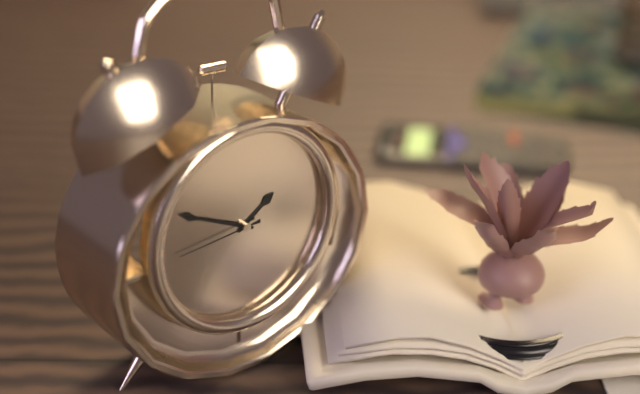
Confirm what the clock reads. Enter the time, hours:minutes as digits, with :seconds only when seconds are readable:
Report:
1:49:44
